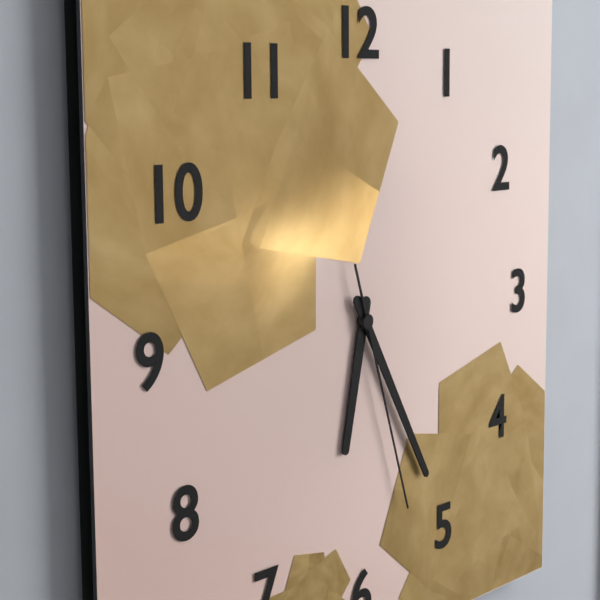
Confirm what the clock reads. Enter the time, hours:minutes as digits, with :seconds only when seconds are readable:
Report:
6:25:27
